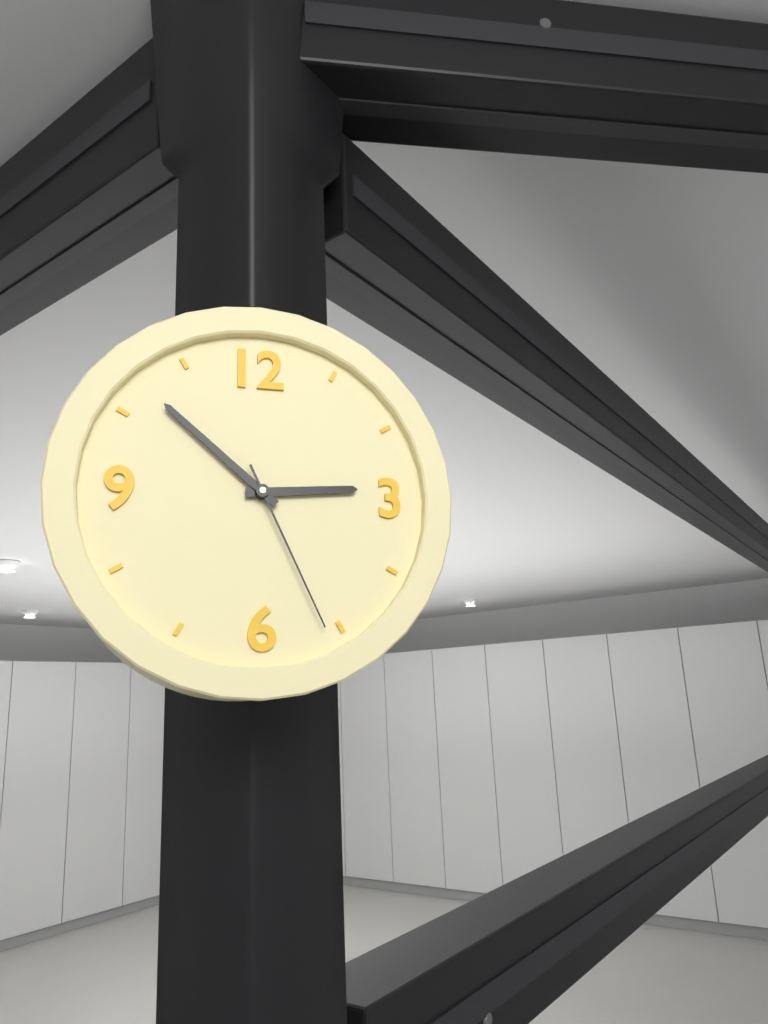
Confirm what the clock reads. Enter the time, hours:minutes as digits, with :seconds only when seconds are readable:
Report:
2:52:26
